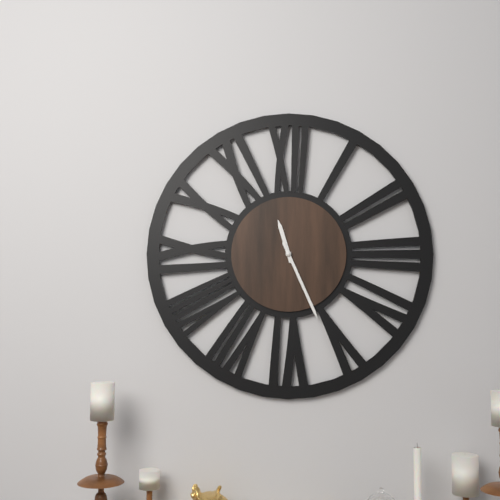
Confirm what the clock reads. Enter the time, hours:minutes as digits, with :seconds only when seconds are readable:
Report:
11:26
